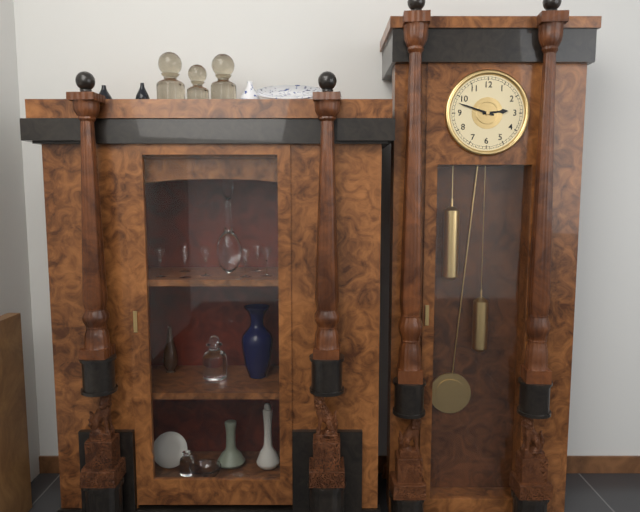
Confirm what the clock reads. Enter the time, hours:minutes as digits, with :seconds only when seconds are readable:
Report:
2:48
